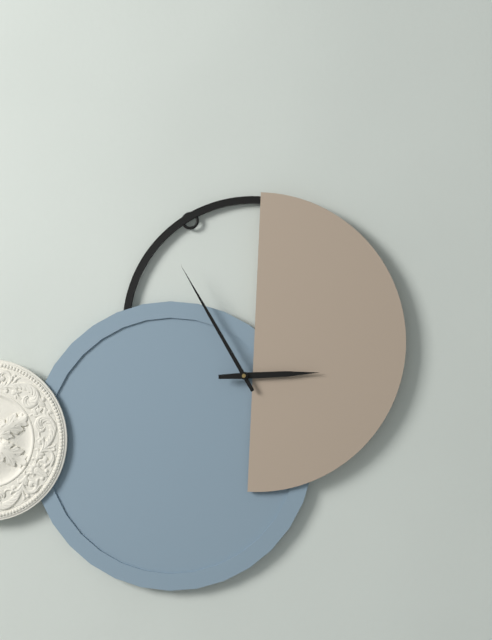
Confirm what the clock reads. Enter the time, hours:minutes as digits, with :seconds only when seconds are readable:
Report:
2:55
